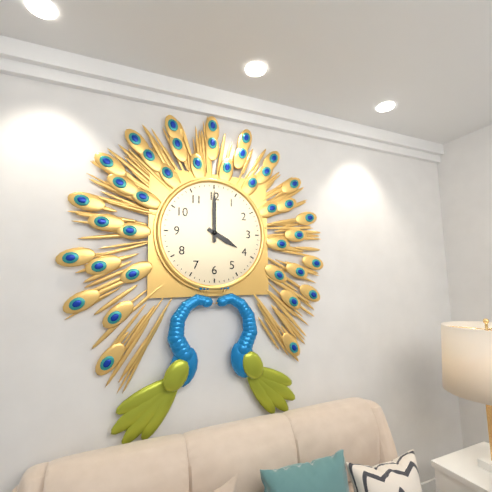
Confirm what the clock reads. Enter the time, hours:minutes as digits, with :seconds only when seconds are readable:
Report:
4:00
